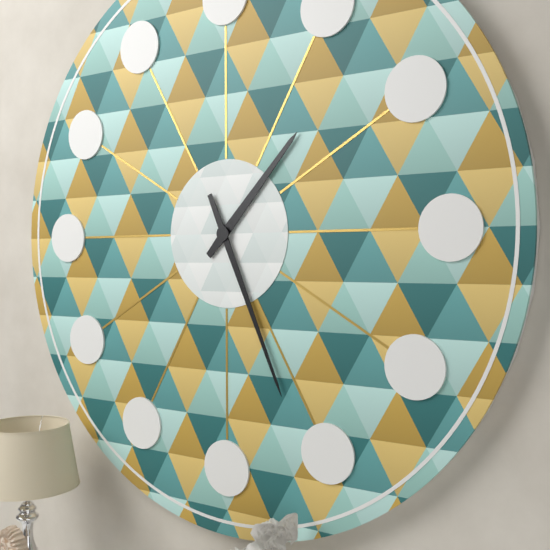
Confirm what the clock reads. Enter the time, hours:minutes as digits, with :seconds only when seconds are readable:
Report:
1:26
